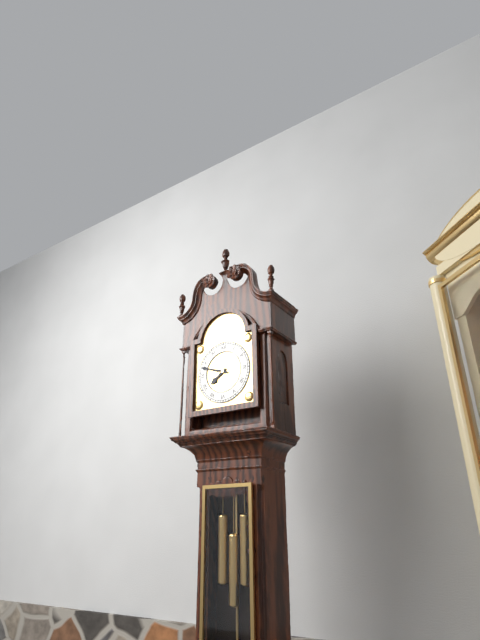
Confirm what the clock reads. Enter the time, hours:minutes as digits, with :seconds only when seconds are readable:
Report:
7:48
